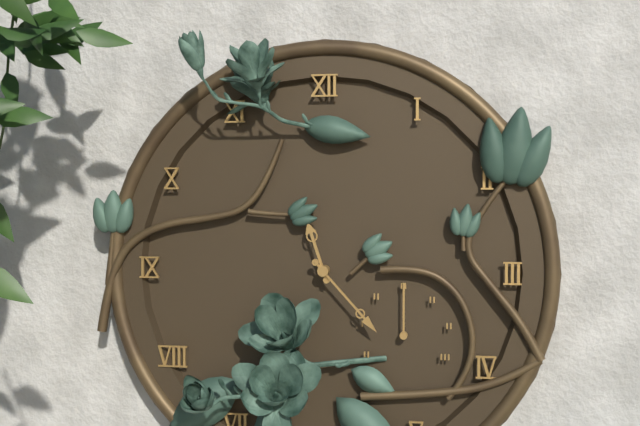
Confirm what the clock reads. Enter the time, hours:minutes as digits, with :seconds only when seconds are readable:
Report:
11:23
